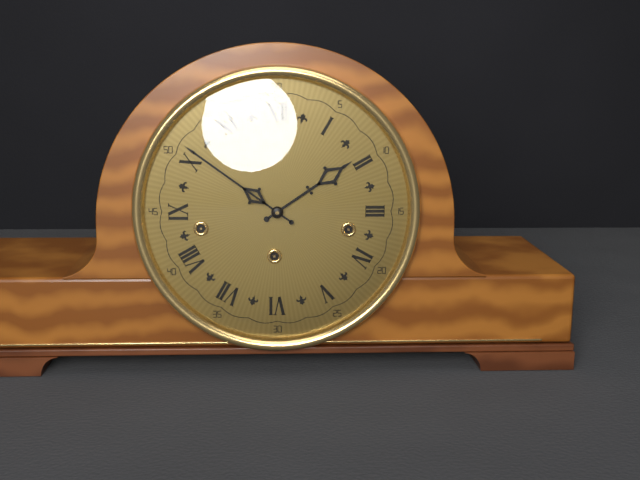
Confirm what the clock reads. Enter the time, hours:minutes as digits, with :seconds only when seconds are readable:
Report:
1:51
